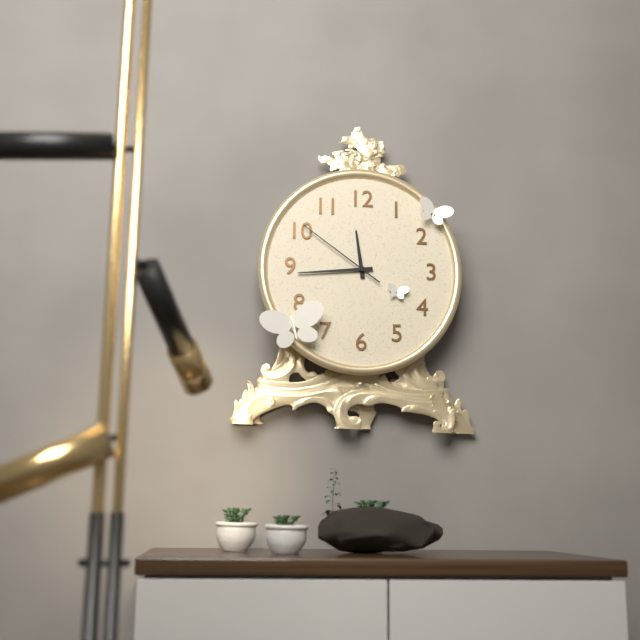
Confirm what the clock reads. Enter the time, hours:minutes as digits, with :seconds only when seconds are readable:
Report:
11:44:51
